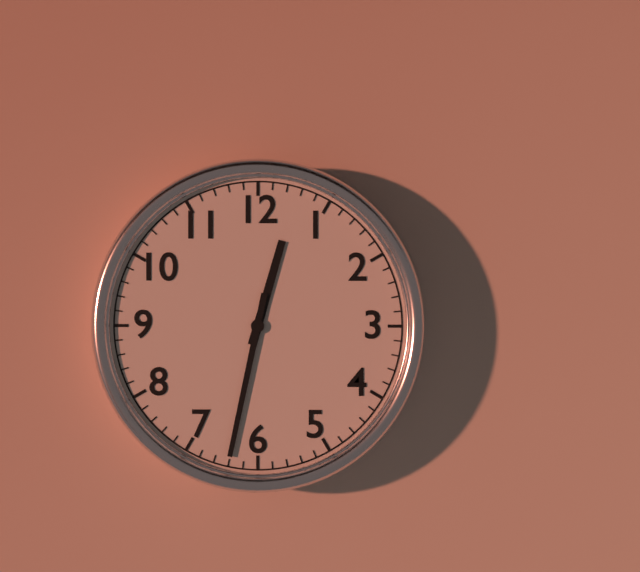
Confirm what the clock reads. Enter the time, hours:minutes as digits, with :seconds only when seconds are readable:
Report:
12:32
